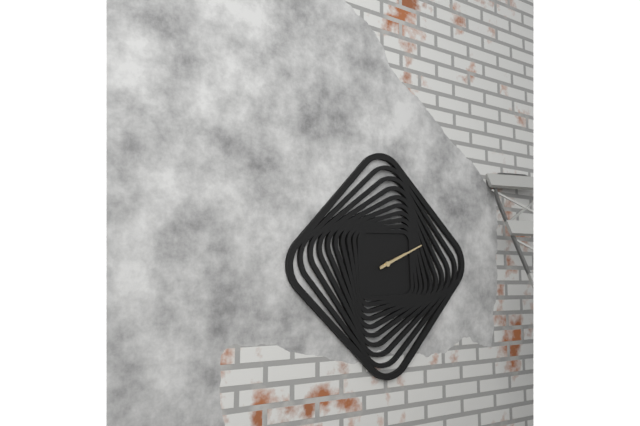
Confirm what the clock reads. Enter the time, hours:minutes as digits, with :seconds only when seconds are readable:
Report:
2:11
